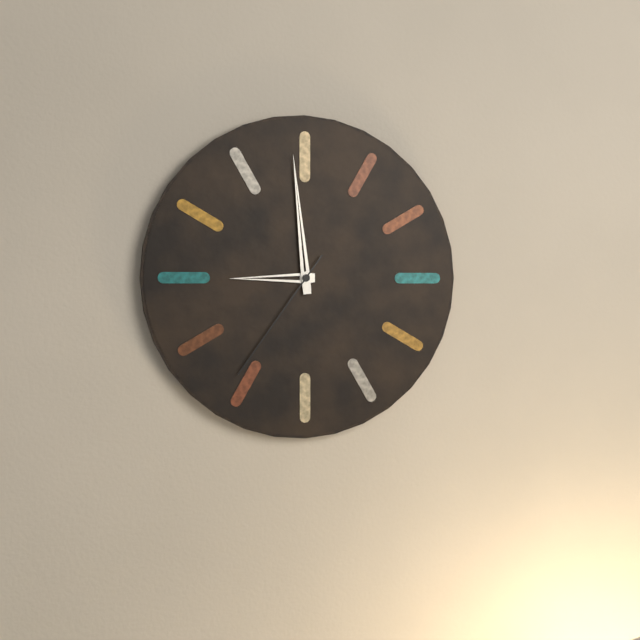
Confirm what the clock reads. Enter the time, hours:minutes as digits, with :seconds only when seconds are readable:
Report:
8:59:36
